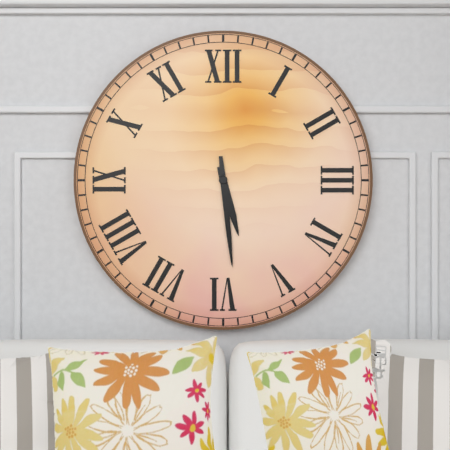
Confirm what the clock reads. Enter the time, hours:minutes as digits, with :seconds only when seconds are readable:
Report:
5:29
